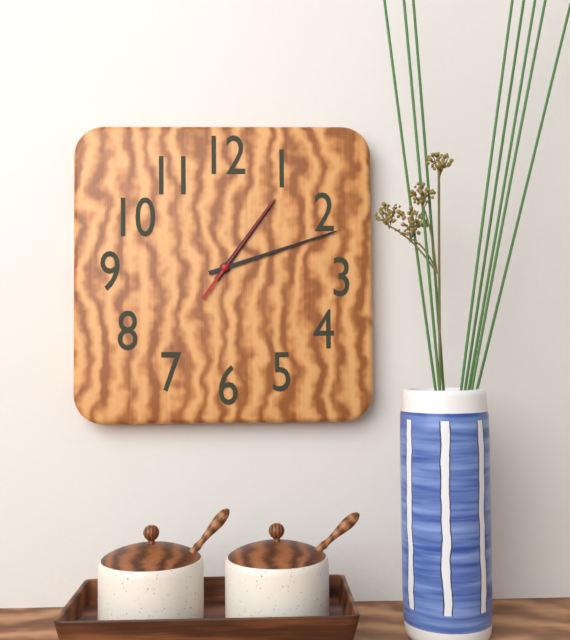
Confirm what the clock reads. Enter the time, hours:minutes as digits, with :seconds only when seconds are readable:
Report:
1:12:06
